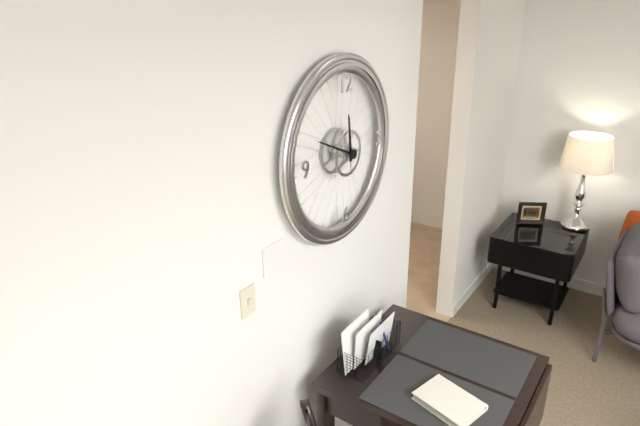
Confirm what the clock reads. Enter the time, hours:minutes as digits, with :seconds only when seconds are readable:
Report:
11:49
